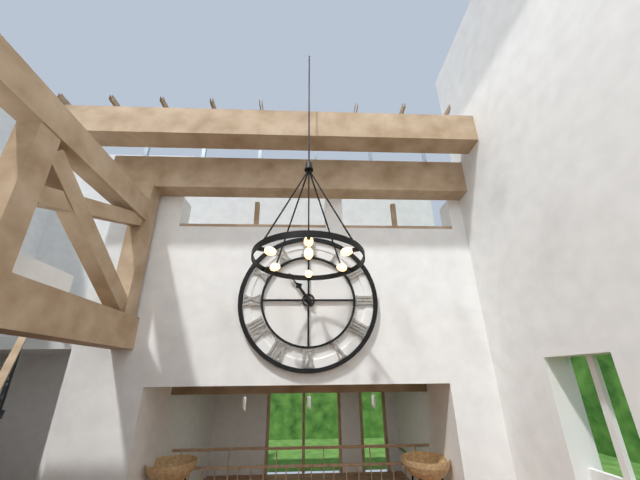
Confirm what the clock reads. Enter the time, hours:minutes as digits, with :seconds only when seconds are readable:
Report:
10:54
